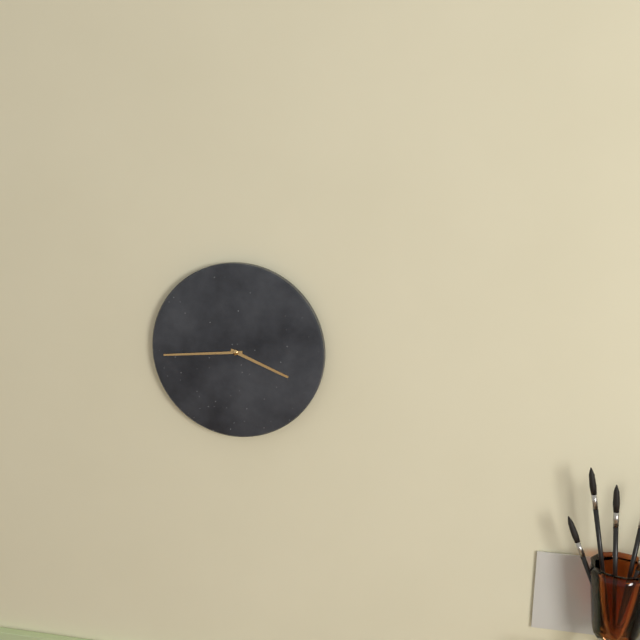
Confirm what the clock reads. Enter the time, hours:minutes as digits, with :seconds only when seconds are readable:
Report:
3:44
